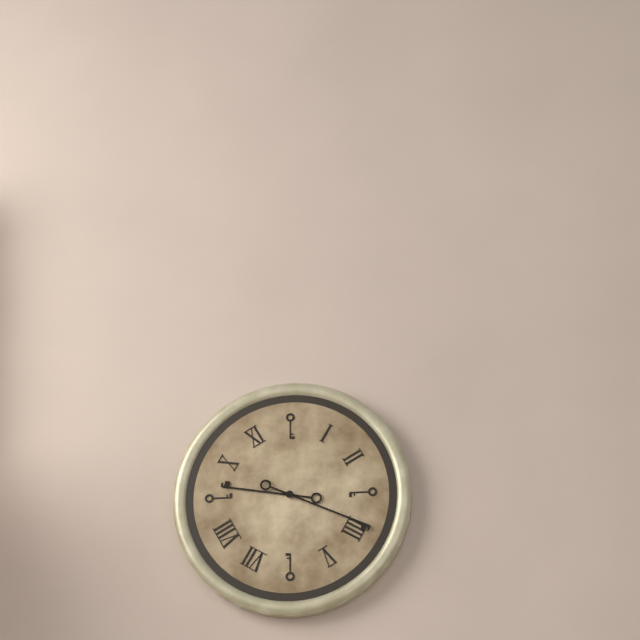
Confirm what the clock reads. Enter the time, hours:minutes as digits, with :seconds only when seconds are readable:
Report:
9:19
